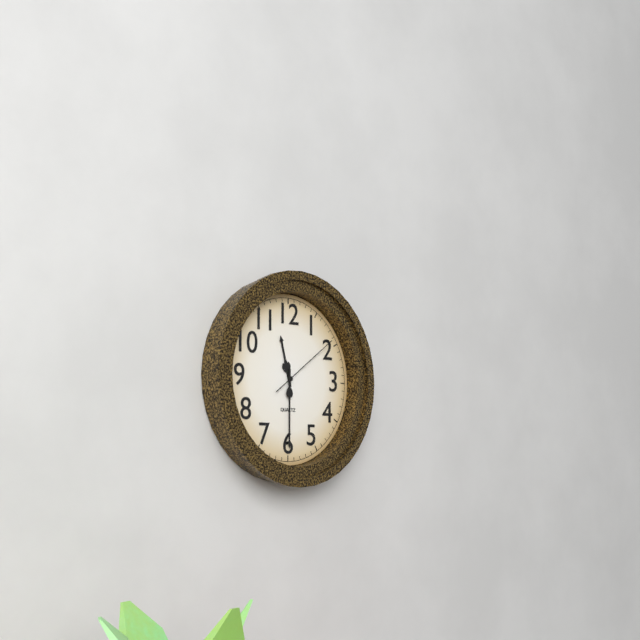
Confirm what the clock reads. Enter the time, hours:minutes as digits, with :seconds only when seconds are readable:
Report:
11:30:09
